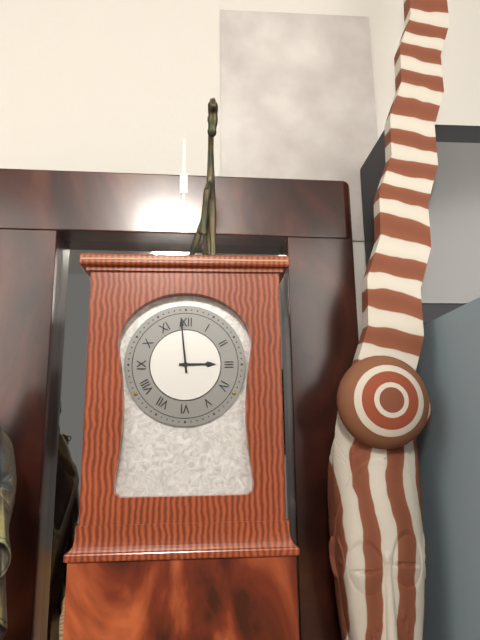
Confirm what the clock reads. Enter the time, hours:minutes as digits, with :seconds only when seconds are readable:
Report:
2:59
